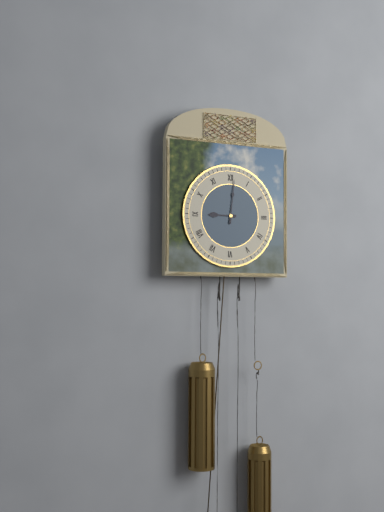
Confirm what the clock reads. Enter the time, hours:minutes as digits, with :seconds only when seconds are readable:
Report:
9:01
